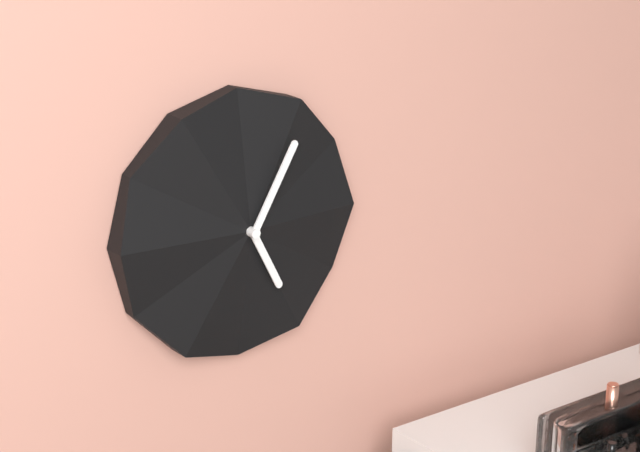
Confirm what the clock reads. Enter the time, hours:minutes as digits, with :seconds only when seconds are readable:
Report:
5:05
